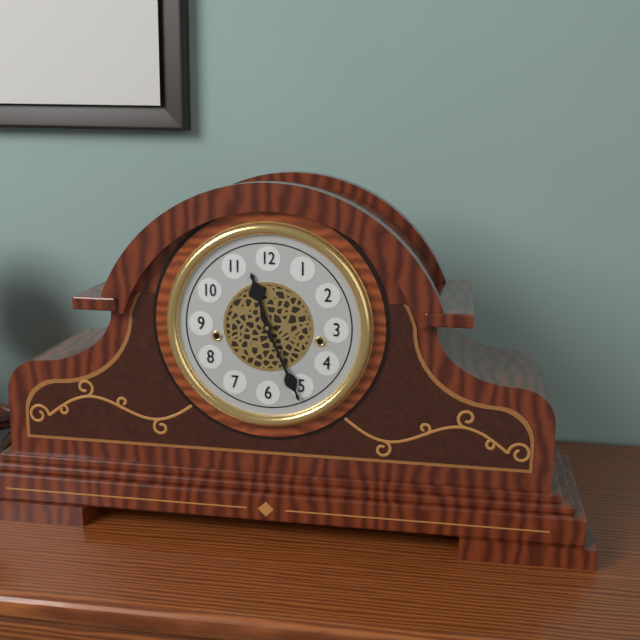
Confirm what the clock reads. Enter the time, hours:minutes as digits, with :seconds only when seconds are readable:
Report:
11:26
